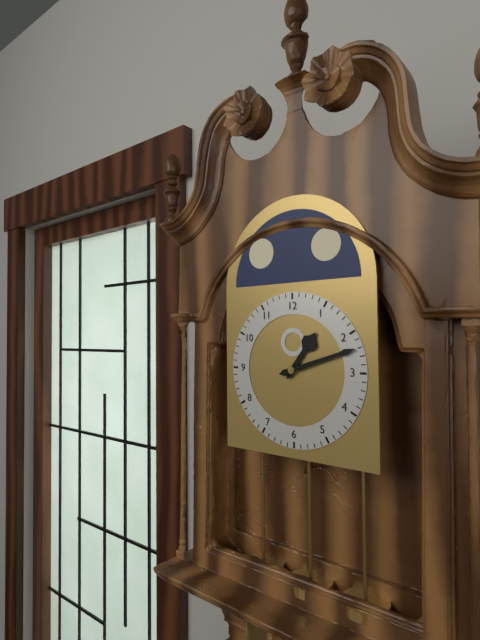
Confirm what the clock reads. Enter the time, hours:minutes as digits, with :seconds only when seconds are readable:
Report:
1:12
